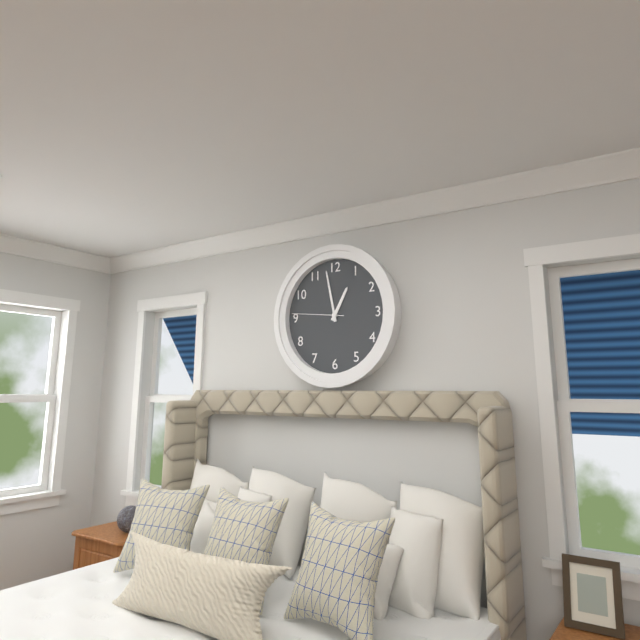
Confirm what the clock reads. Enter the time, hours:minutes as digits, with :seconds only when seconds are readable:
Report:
12:58:46
